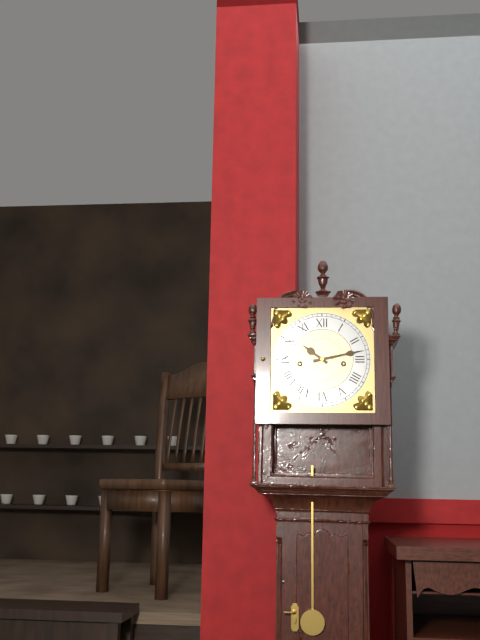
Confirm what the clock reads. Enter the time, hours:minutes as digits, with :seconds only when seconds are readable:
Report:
10:13
